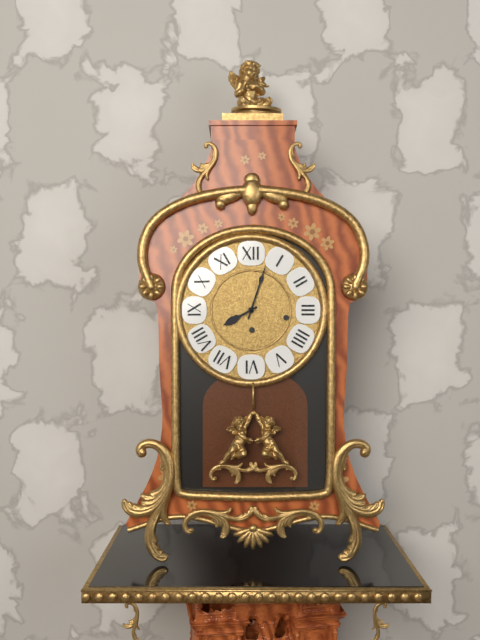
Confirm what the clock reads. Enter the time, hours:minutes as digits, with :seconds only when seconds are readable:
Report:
8:03
